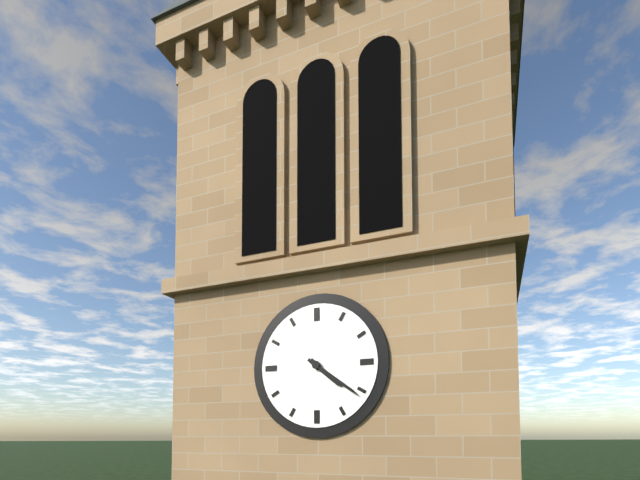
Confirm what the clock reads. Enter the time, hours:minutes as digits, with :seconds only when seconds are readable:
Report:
4:21
